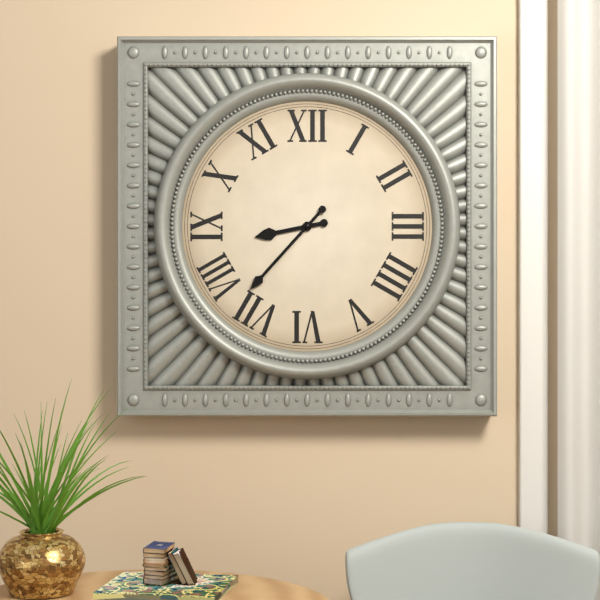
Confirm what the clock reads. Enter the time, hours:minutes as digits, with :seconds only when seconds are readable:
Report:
8:37
